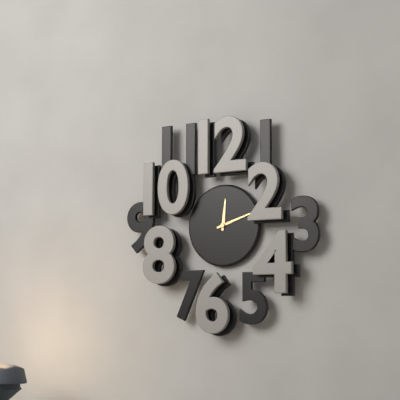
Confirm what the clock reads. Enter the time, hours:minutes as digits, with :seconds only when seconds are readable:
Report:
12:12
